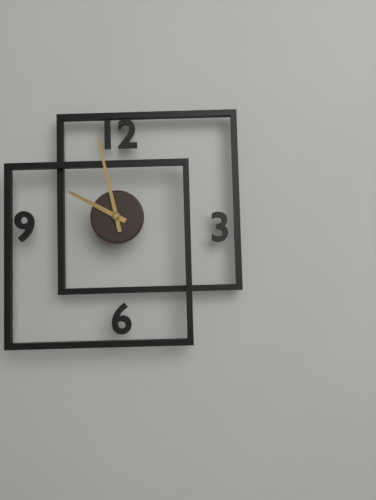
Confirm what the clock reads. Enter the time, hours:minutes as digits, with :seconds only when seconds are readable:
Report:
9:58
